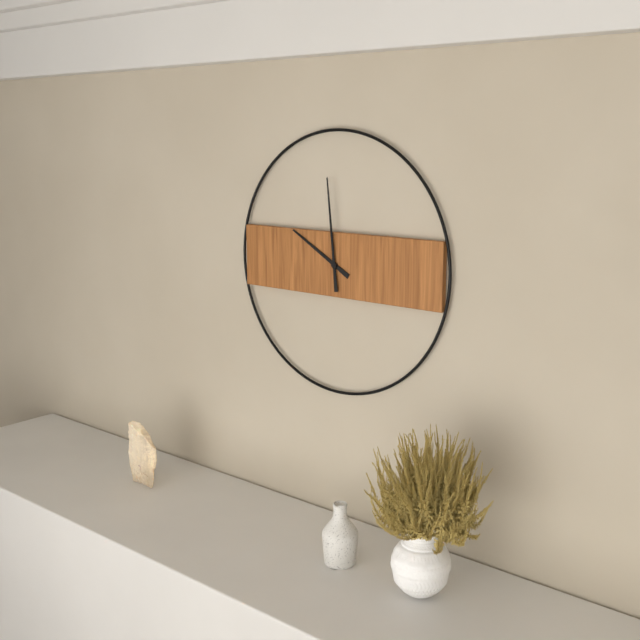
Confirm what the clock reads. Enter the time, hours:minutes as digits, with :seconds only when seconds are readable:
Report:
9:59
